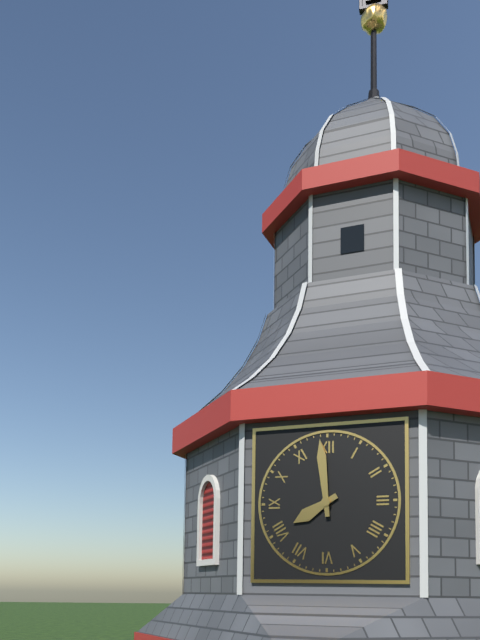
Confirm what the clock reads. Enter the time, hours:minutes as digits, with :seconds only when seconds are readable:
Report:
7:59
